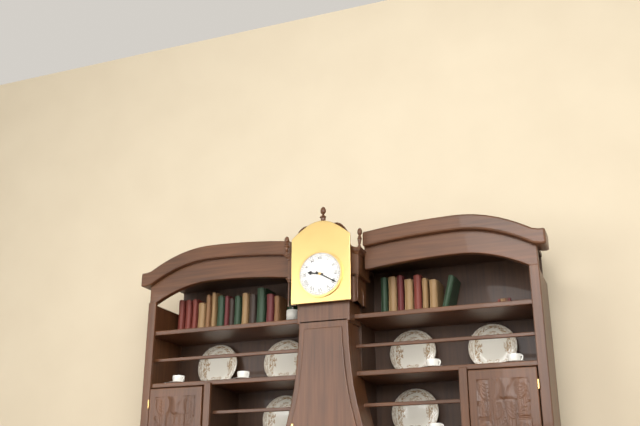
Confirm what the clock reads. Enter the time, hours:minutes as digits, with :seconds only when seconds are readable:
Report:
9:20
